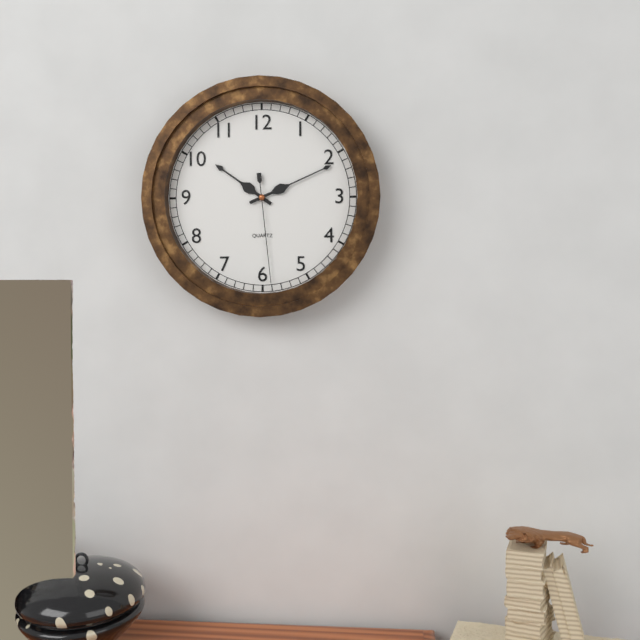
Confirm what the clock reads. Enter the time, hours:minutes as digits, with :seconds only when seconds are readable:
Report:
10:11:29
